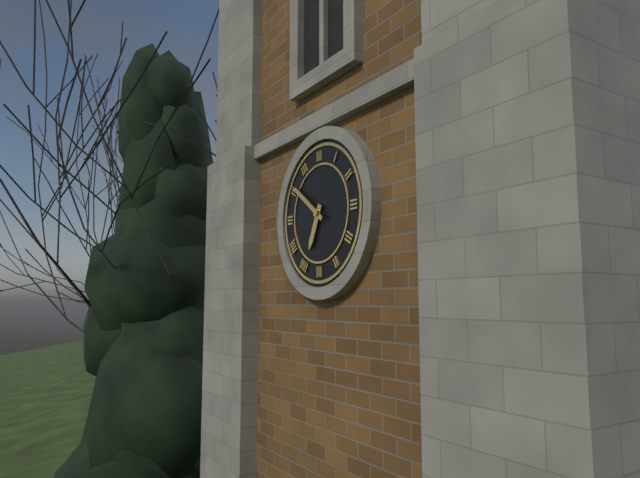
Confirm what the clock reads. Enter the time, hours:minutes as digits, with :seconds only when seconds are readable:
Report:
6:51
